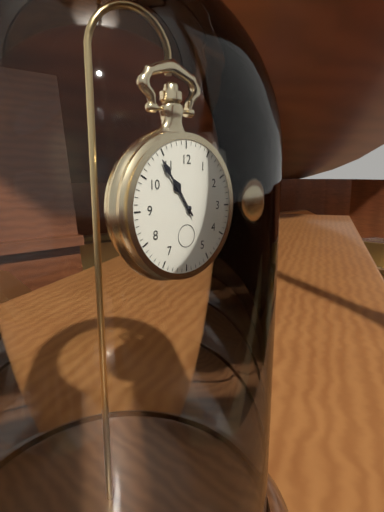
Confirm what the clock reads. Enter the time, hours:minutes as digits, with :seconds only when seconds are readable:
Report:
10:54
